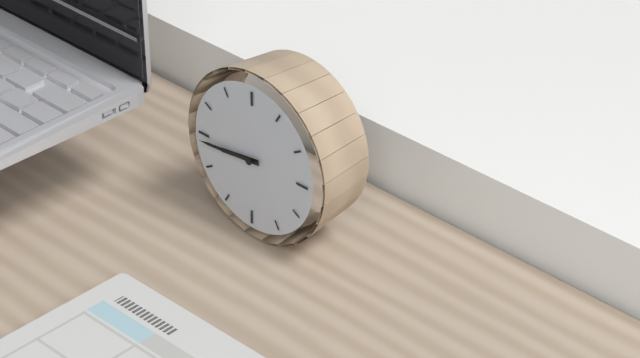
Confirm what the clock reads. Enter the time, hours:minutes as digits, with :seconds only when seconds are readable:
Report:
8:44
